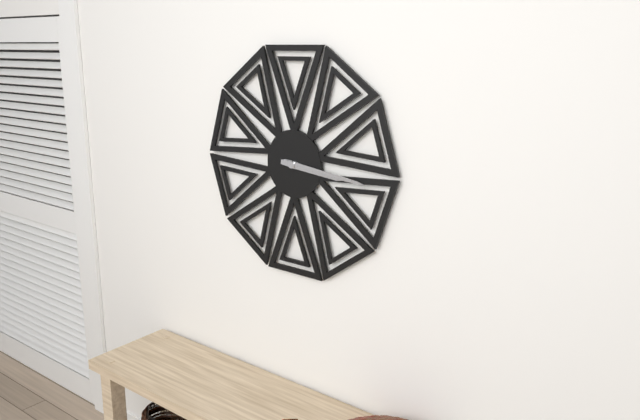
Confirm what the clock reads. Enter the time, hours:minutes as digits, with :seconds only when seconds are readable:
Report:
3:16
